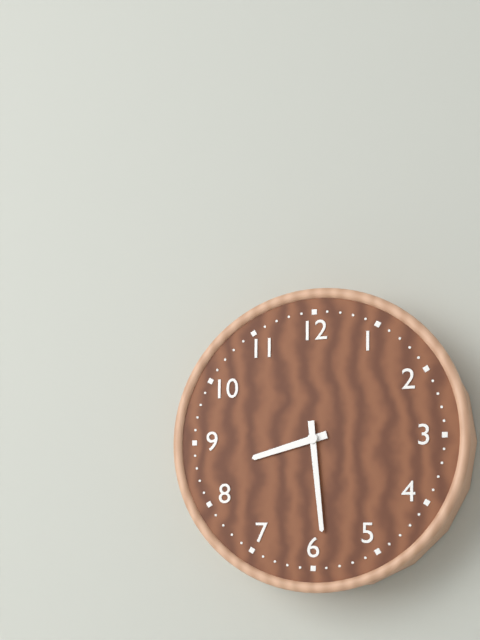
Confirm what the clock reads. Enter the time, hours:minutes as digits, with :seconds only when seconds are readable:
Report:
8:29
